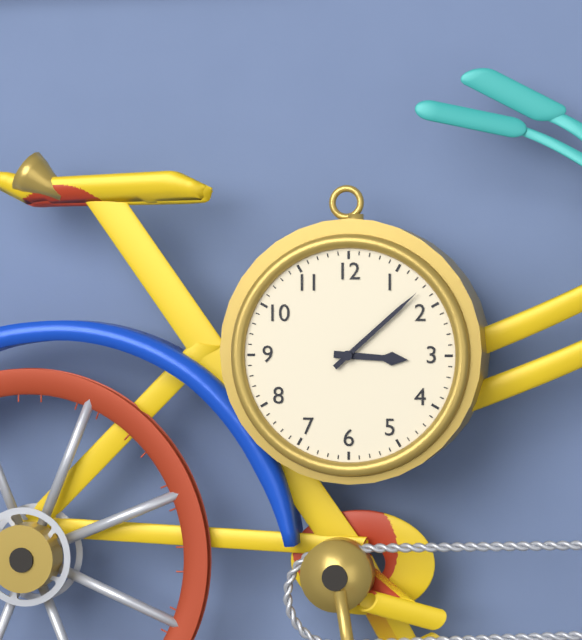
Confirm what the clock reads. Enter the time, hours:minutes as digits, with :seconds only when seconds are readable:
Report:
3:08
